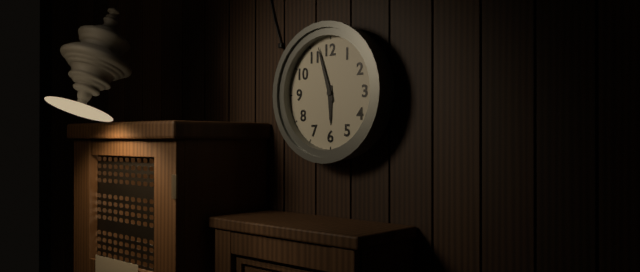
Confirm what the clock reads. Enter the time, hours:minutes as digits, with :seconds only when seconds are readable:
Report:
5:57
